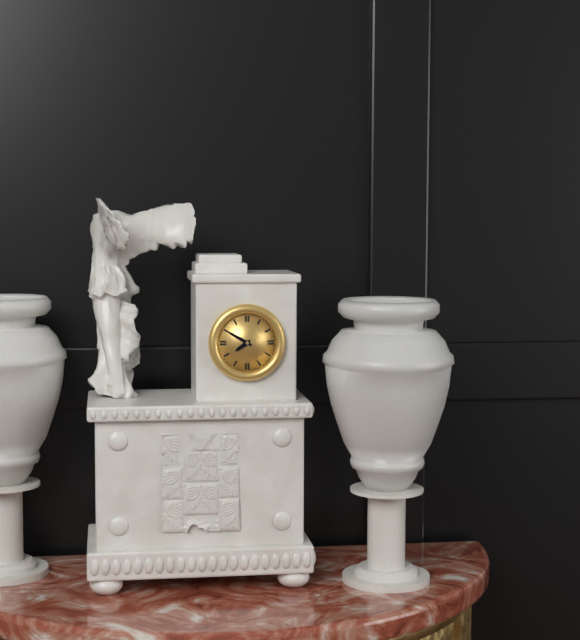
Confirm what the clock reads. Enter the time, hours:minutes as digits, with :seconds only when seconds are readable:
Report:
7:50
